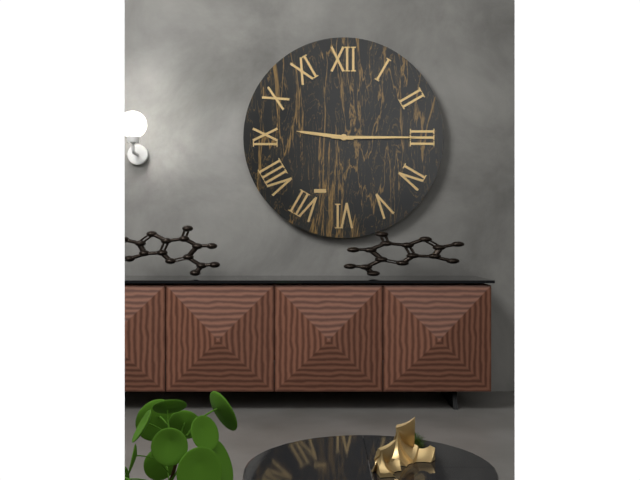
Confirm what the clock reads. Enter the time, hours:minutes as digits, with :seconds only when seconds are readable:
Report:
9:15
